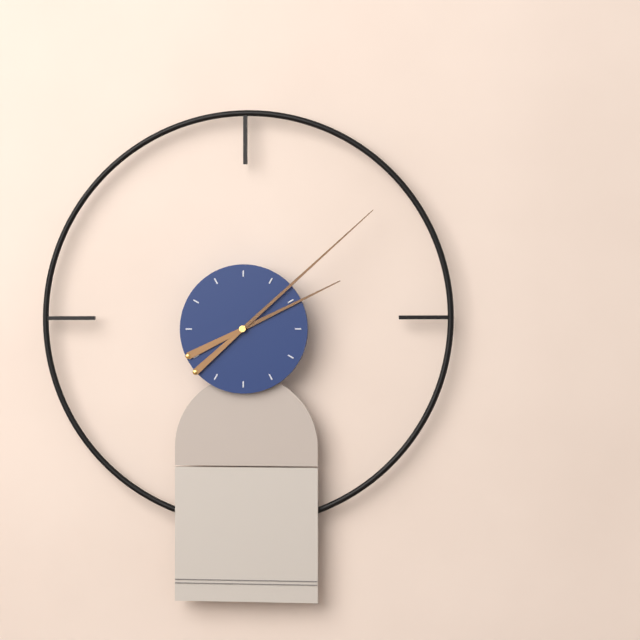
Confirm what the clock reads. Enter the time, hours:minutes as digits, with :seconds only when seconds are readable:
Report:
2:08
